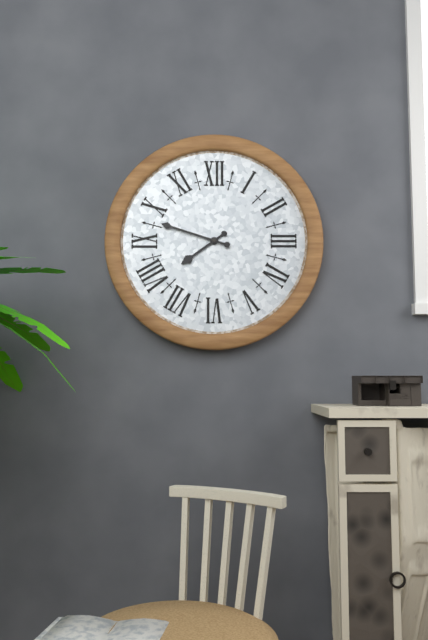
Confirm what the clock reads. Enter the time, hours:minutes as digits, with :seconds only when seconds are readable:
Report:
7:48
